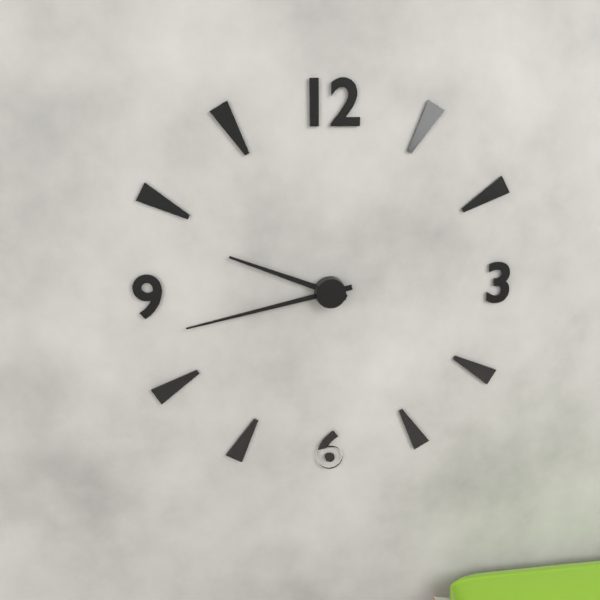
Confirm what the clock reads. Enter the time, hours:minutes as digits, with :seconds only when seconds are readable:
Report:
9:43
